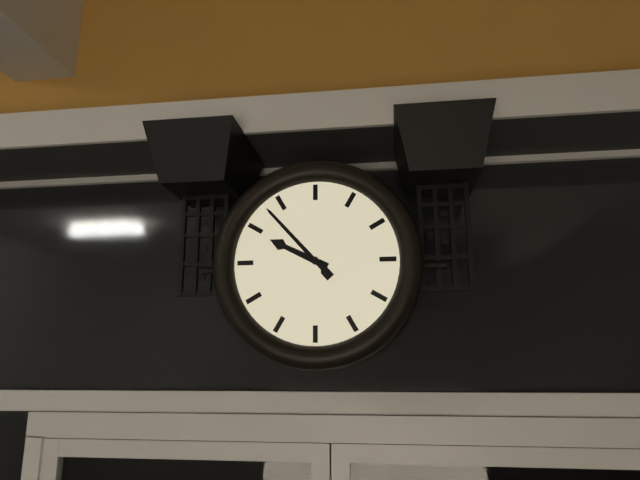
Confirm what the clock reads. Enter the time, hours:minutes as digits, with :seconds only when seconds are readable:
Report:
9:53
